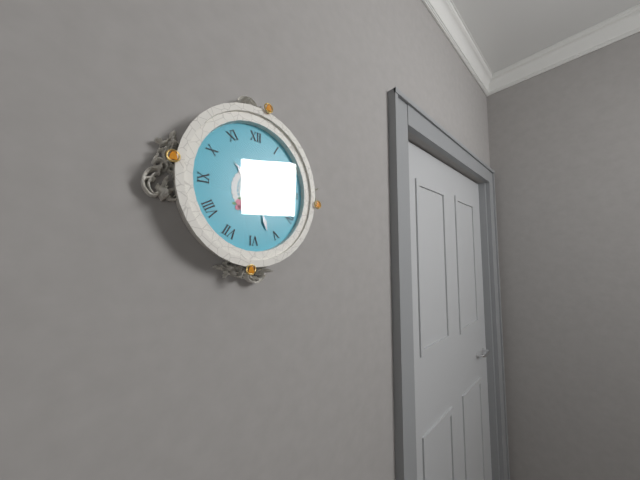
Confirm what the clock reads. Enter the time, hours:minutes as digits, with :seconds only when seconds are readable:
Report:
10:27:20
